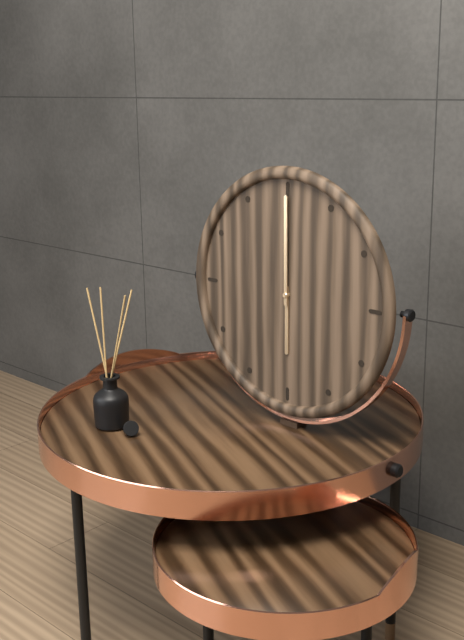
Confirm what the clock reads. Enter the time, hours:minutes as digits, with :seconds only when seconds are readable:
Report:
6:00
